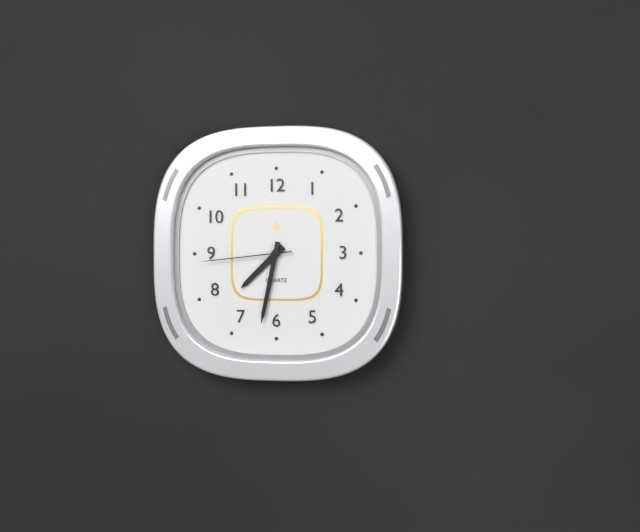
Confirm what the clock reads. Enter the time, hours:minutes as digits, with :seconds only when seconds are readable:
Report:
7:32:44
